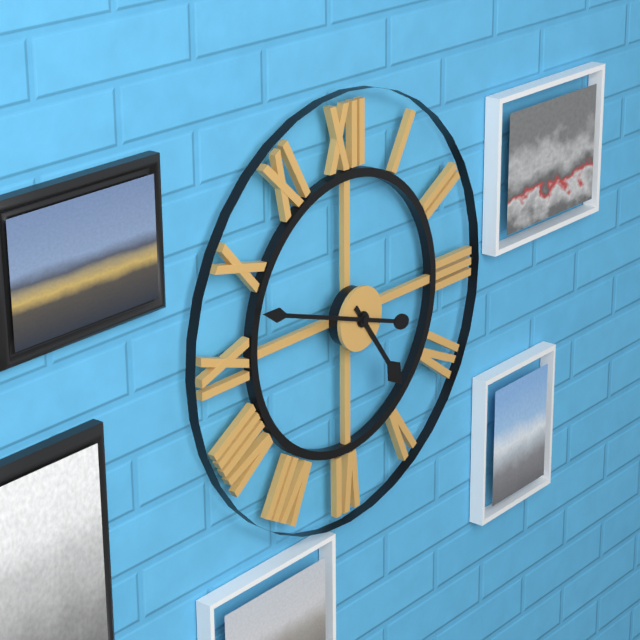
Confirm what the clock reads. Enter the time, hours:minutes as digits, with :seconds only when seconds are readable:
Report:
4:48
